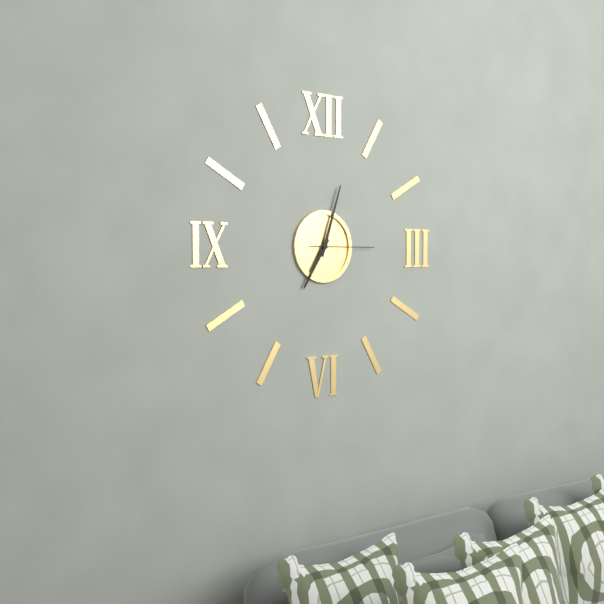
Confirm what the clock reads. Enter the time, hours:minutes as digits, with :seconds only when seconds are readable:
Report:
7:03:15
